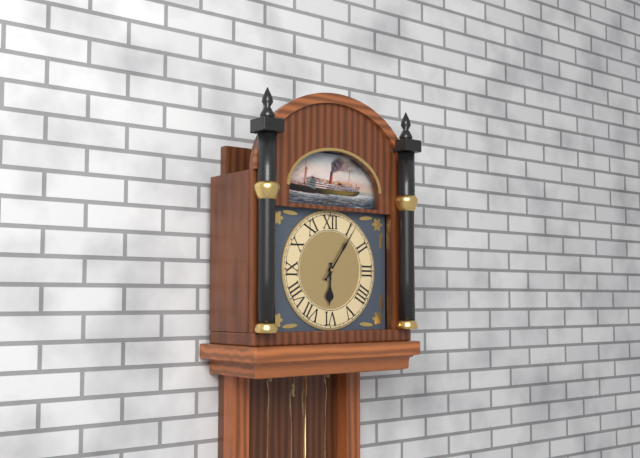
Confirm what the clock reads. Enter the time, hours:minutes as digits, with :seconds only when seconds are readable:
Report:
6:06
